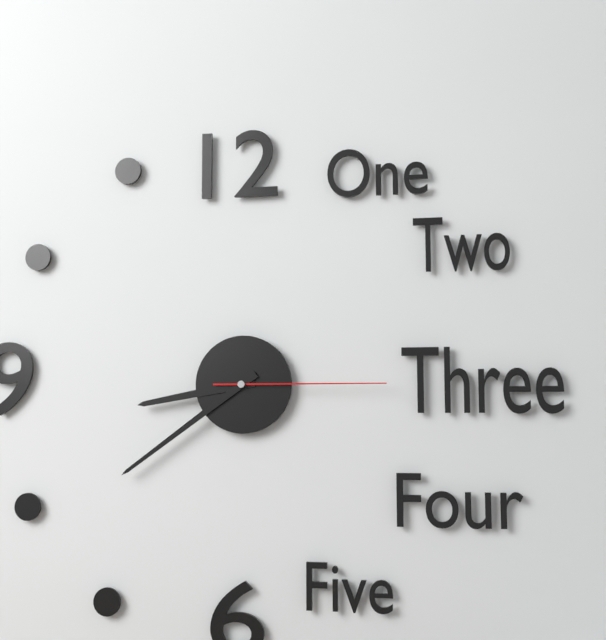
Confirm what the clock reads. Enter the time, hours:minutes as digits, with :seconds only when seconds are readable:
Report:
8:39:15
